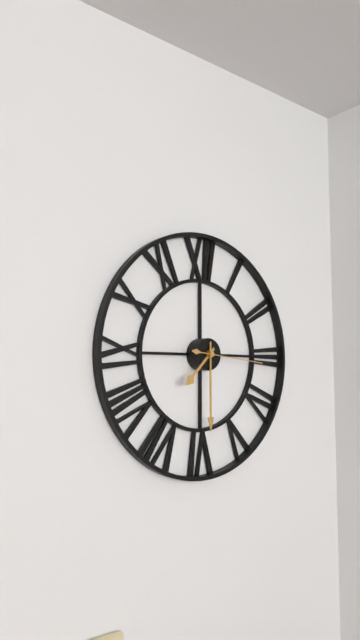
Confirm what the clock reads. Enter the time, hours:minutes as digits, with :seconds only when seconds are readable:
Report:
7:30:16
